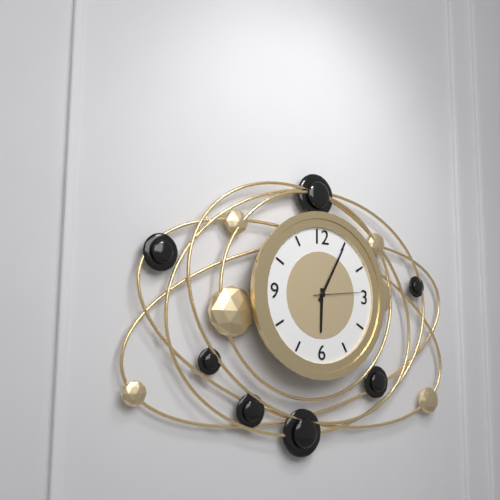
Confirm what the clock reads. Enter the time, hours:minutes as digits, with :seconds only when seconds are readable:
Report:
6:05
